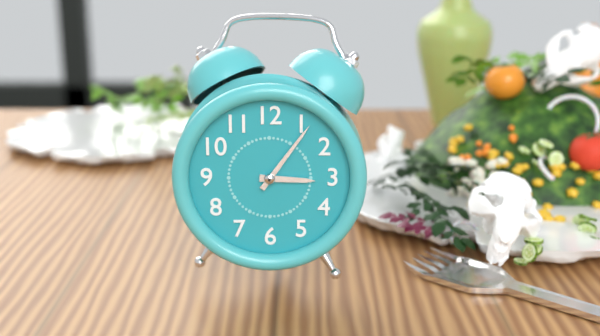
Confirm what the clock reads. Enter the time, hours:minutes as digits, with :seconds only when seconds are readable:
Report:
3:06
